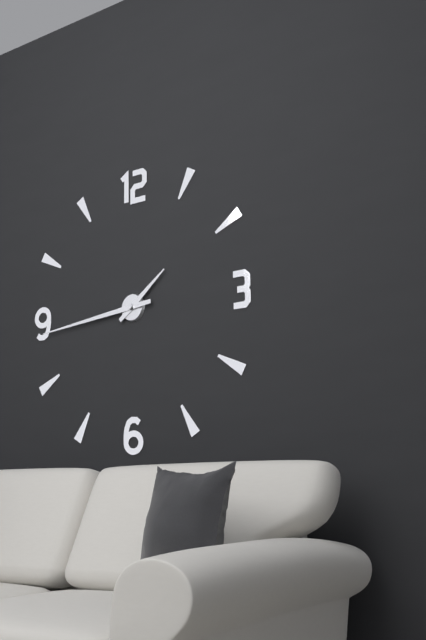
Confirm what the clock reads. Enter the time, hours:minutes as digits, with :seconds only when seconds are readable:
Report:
1:44
